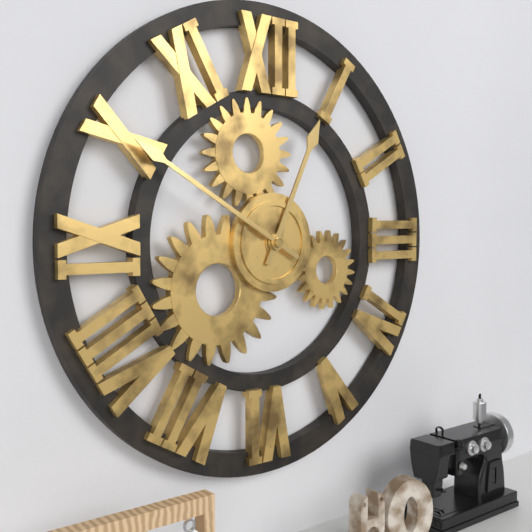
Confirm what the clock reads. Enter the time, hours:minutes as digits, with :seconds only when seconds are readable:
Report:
12:50
